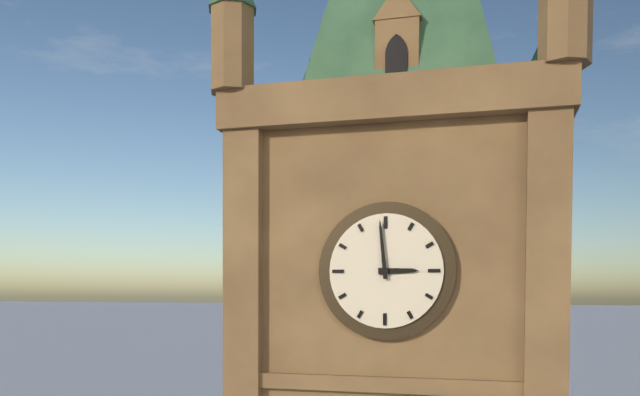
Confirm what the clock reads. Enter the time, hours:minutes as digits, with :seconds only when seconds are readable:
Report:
2:59
